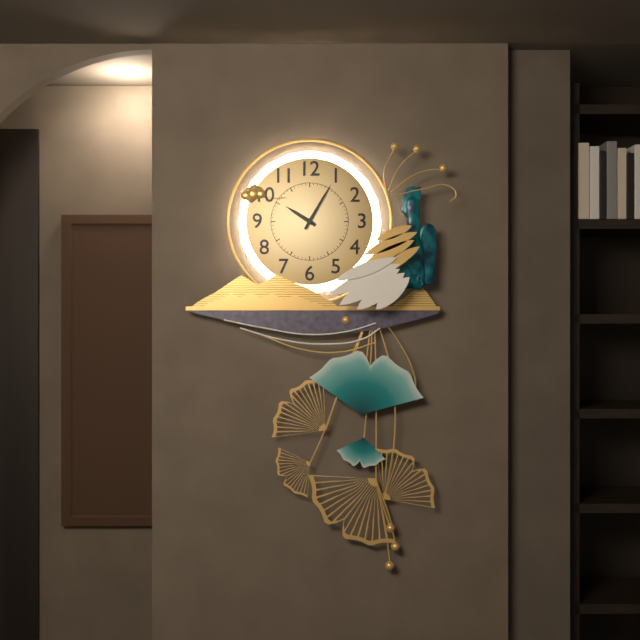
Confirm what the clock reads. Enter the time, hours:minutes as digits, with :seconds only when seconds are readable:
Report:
10:05
